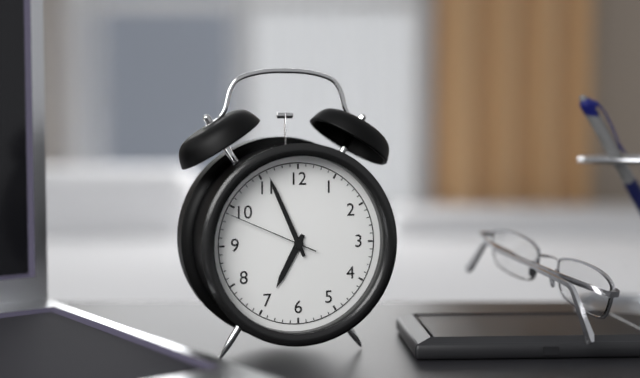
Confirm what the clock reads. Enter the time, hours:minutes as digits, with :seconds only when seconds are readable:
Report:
6:56:49
